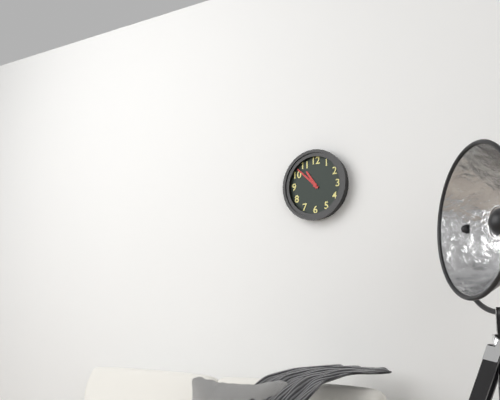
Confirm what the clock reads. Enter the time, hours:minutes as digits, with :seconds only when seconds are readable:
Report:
10:52
